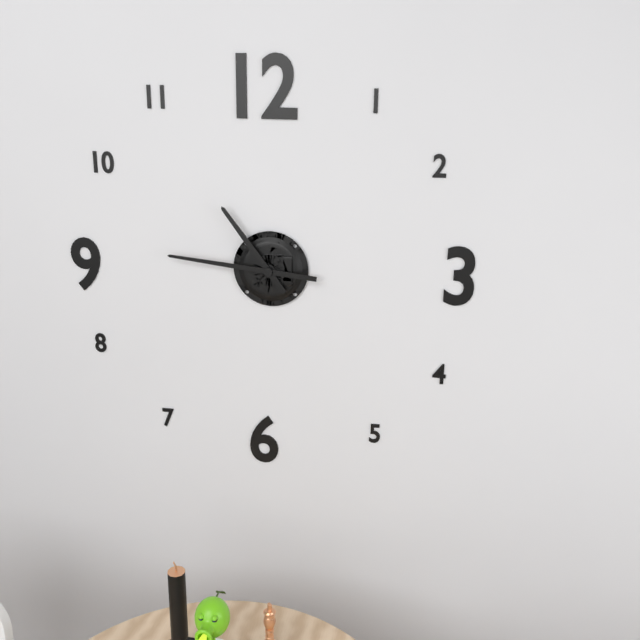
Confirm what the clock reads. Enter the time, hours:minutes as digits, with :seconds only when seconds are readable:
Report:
10:46
